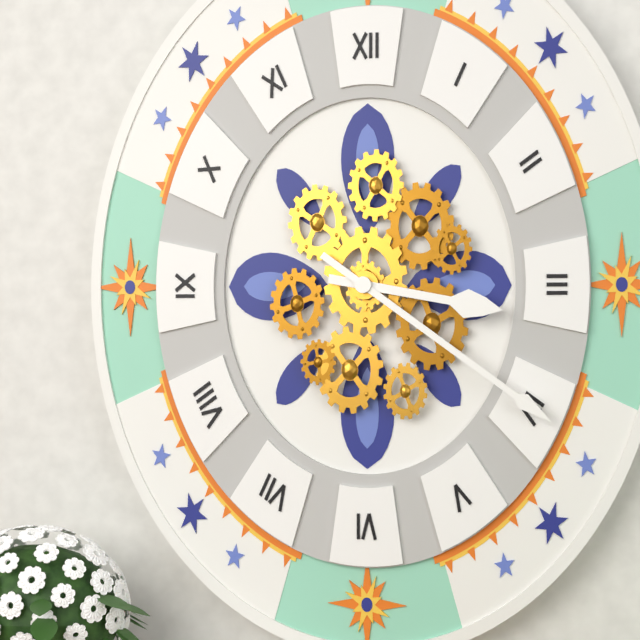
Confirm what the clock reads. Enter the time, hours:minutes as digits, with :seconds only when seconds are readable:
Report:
3:21
